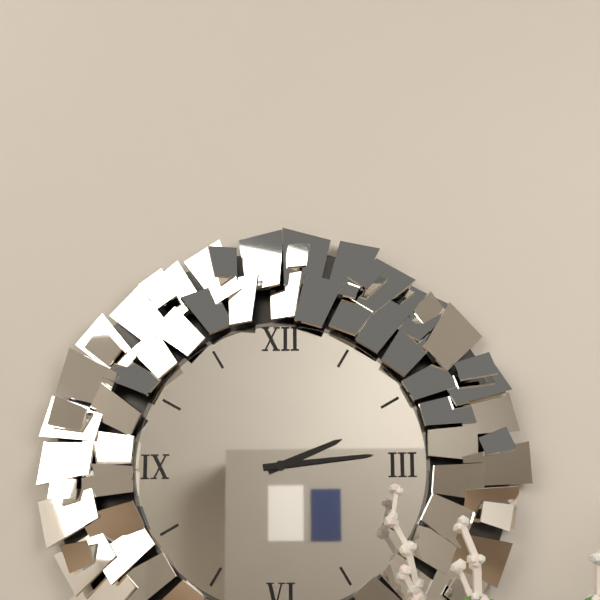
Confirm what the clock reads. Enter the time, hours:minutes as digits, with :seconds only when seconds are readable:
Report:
2:14
